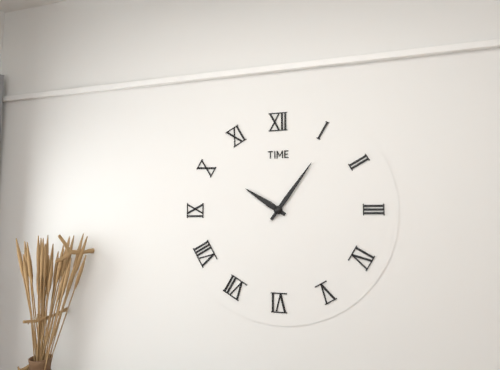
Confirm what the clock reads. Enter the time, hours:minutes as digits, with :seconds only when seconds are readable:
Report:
10:06
